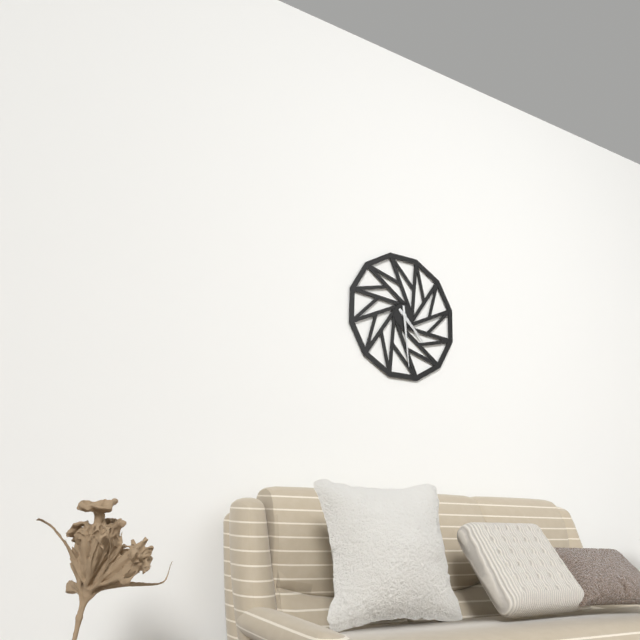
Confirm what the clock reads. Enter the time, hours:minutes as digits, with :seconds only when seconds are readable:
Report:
4:29
